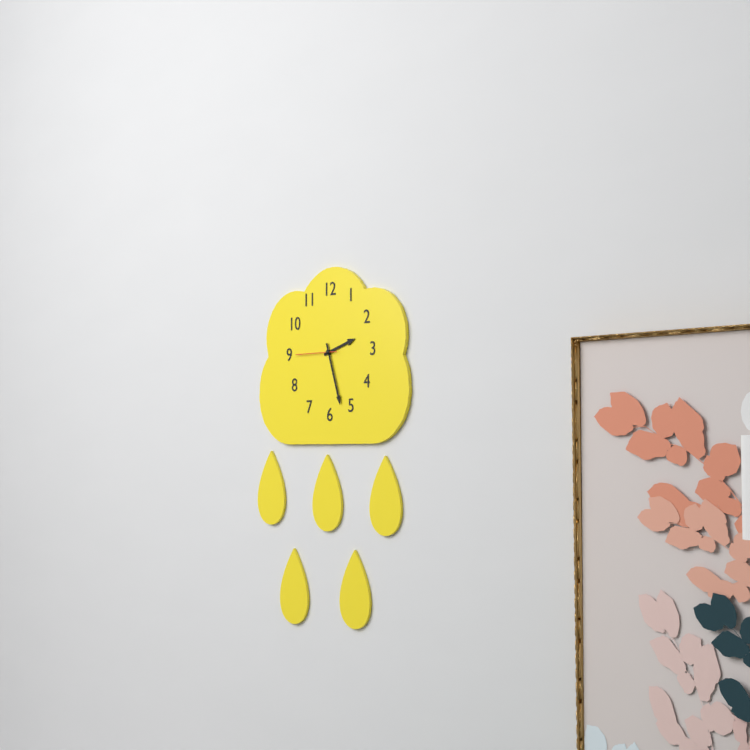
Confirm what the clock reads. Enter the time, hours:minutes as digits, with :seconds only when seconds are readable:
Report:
2:27
